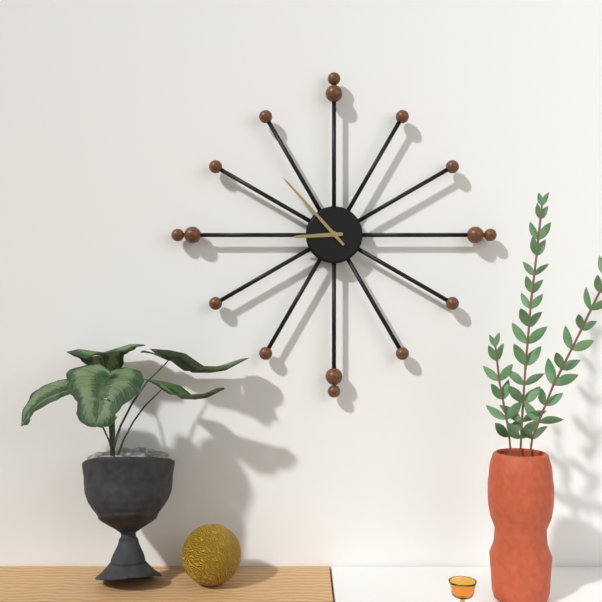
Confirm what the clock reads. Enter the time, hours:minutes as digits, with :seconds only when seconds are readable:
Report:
8:53
